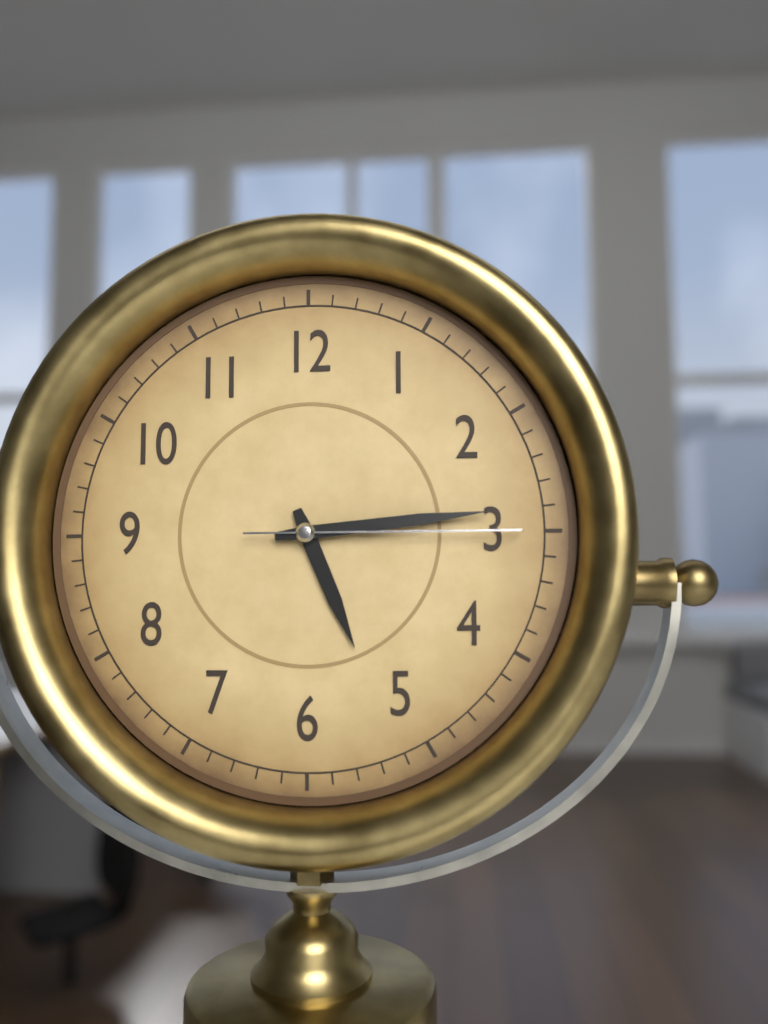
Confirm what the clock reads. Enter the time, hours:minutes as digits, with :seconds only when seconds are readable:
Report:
5:14:15
